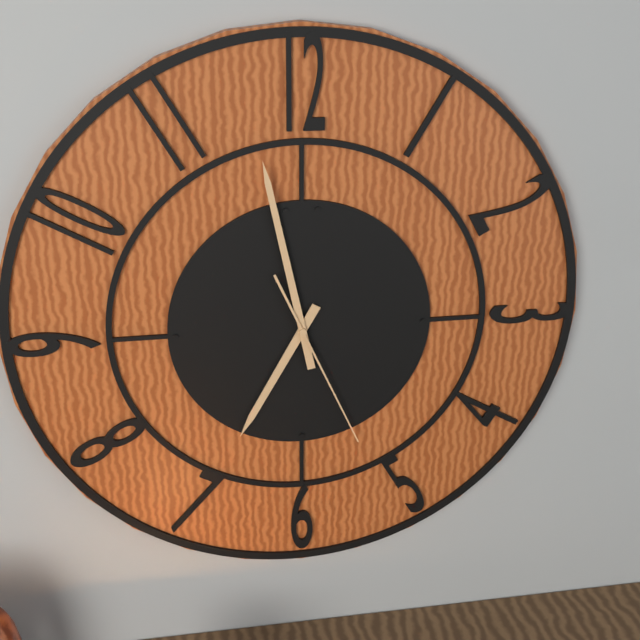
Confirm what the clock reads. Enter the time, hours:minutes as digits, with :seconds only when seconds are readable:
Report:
6:58:26
